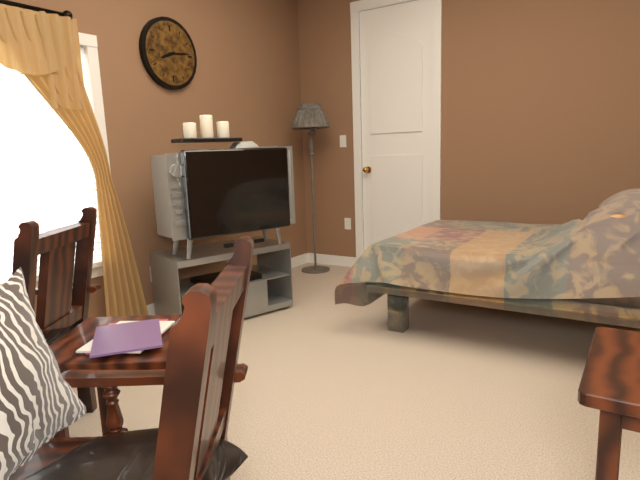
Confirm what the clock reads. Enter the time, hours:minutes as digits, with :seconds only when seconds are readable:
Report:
8:14
